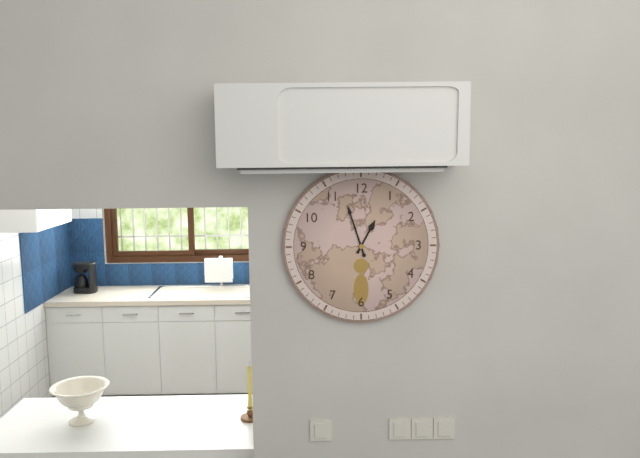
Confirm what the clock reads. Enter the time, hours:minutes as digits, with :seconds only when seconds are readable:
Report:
12:57
